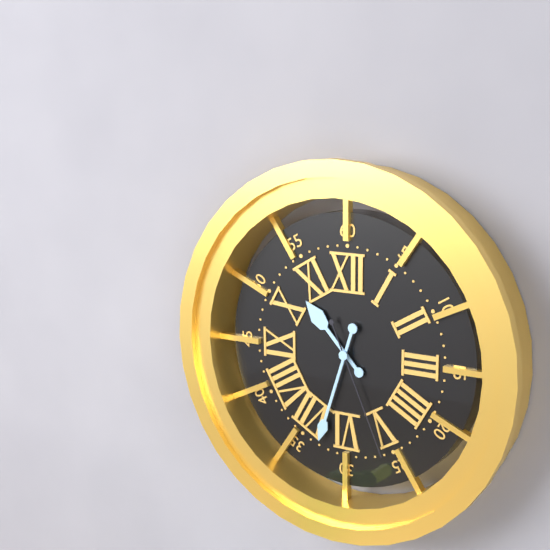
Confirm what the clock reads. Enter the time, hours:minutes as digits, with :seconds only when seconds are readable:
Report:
10:33:26
